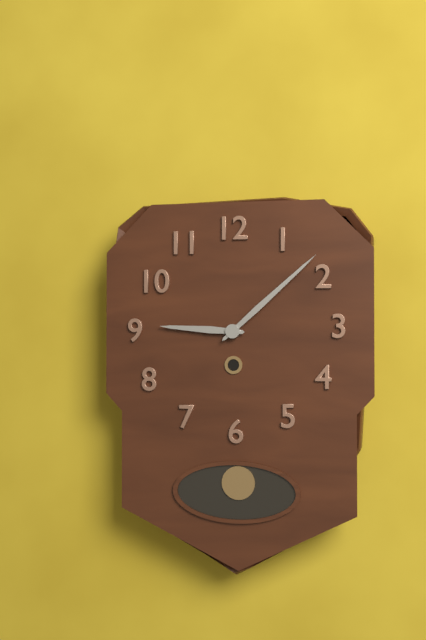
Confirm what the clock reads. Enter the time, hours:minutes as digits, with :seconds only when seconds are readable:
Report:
9:08
